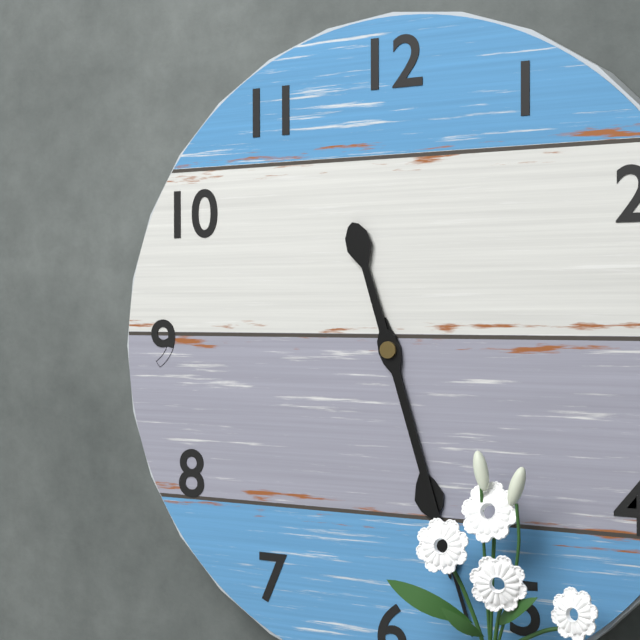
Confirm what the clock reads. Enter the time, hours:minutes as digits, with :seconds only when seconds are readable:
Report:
5:27
